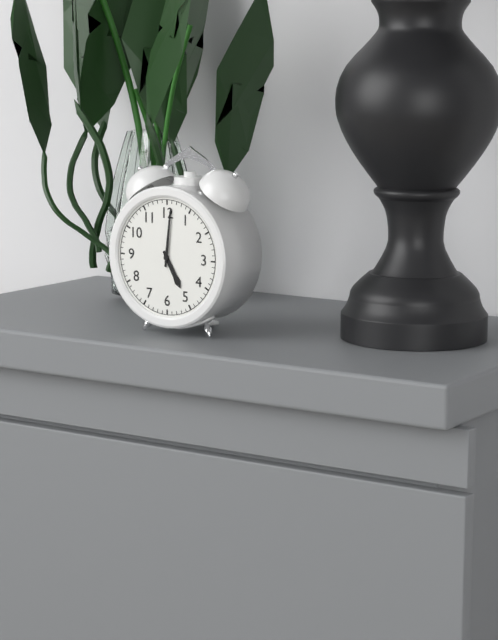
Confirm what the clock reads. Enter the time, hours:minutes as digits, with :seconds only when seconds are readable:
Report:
5:01
